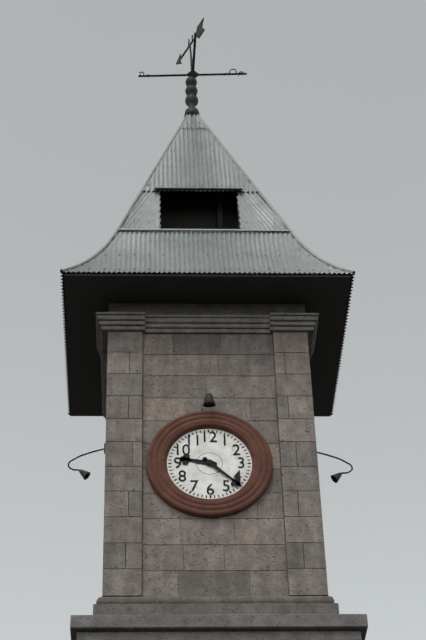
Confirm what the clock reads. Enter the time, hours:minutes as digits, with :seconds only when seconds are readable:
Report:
9:22
